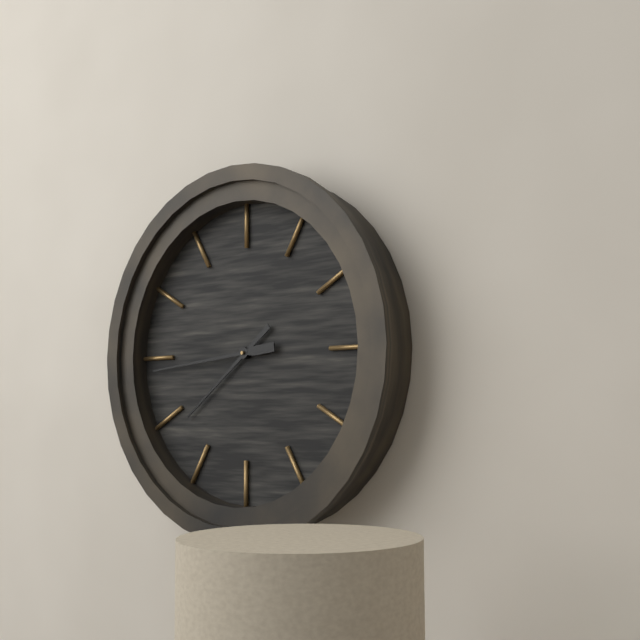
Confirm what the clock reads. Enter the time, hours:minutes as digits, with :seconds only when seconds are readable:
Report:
7:44
